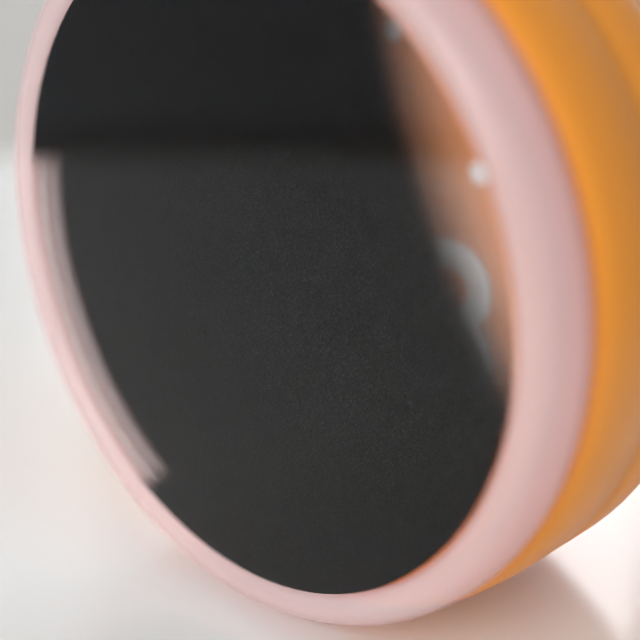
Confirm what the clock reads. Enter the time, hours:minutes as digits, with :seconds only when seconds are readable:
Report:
1:48:54
